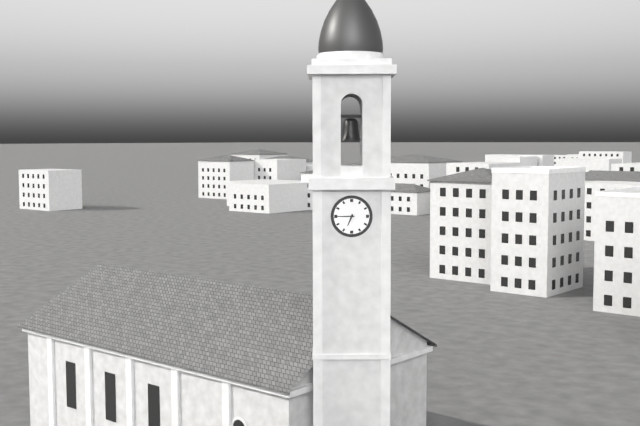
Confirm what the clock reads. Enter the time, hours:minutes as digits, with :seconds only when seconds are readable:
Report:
6:45
